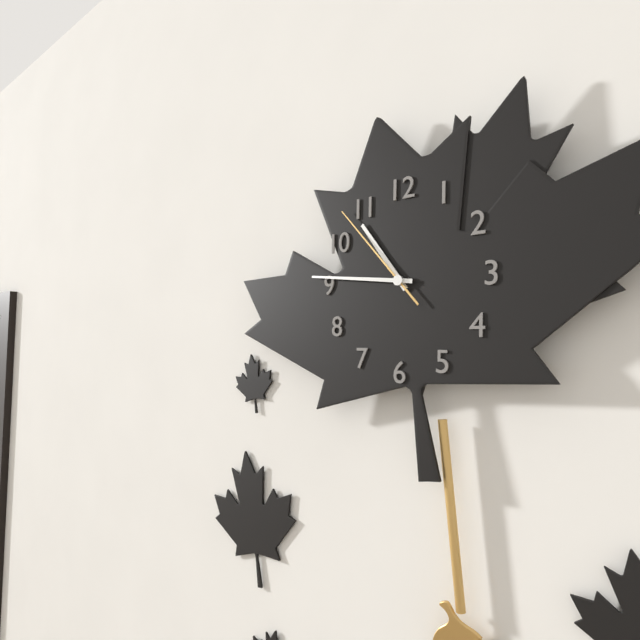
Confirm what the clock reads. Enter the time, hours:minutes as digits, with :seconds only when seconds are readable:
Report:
10:46:53
